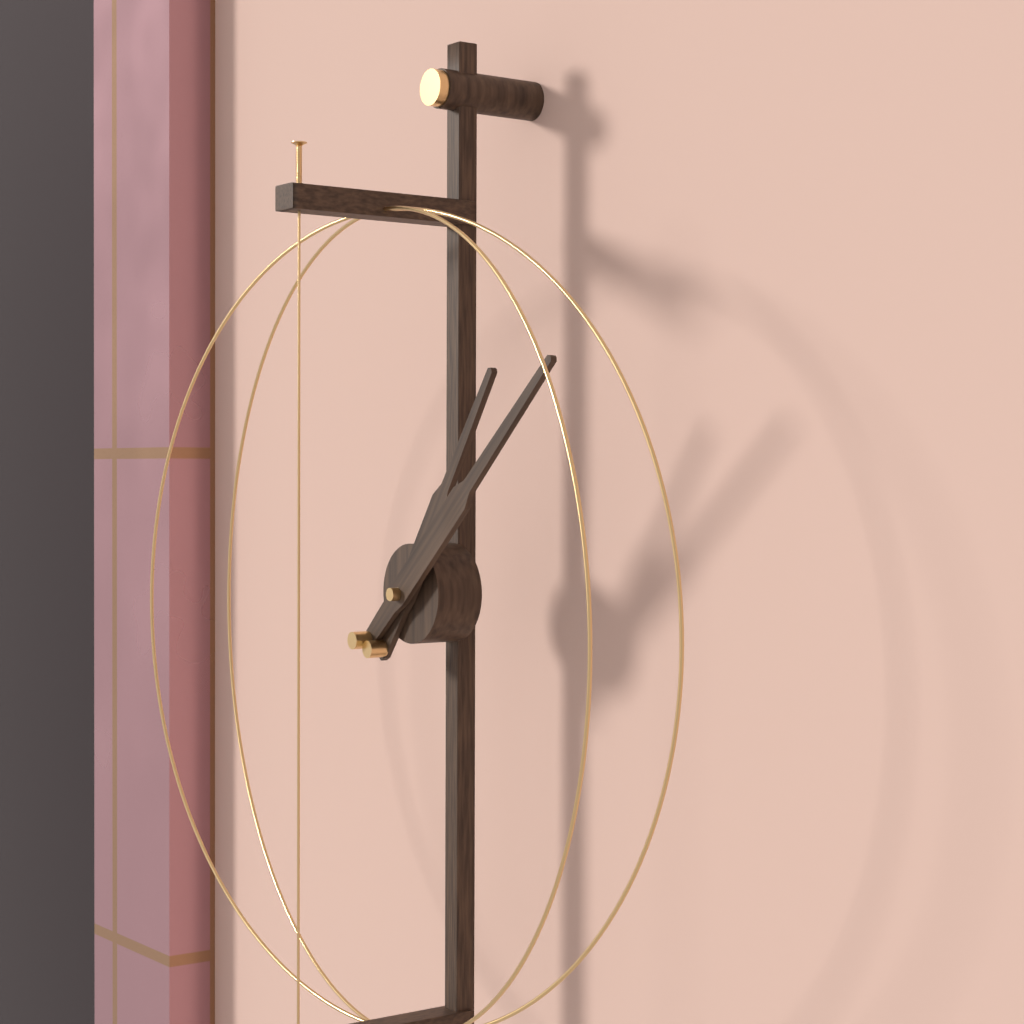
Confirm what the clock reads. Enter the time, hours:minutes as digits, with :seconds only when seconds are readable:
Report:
1:08
